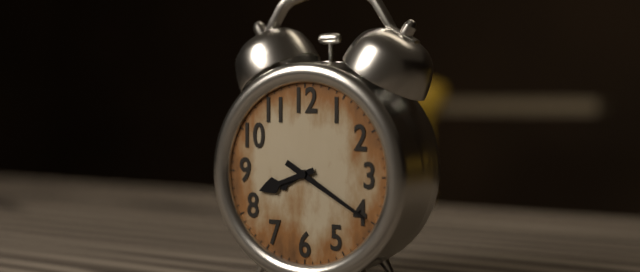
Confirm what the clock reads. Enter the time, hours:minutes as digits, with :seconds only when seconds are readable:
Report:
8:20
